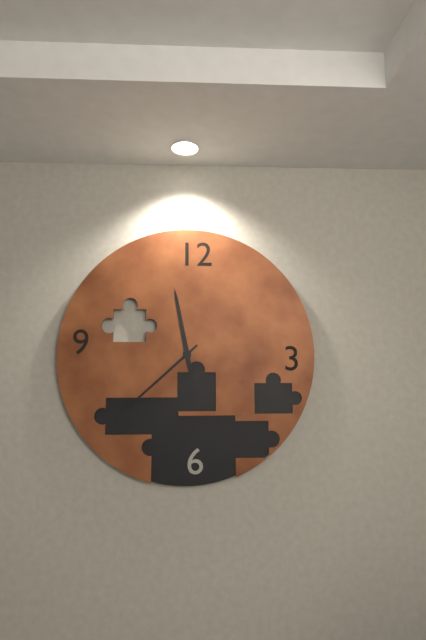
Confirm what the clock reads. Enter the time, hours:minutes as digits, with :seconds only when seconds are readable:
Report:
11:38
